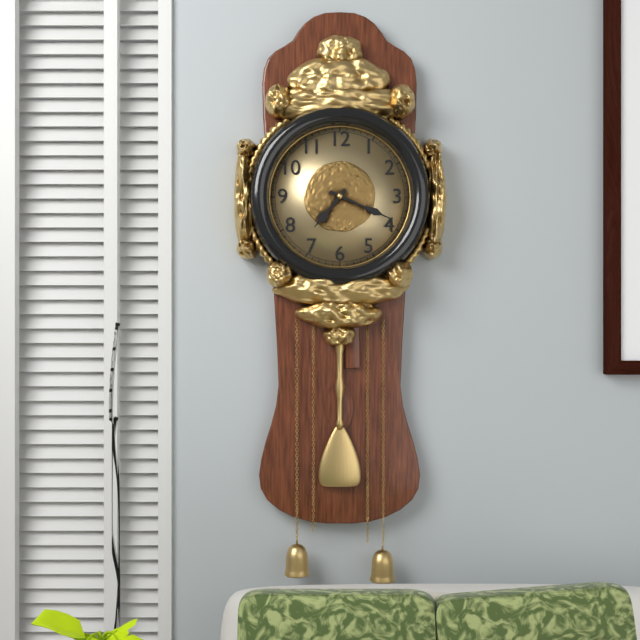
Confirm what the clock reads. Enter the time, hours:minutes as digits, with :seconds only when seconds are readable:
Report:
7:19
